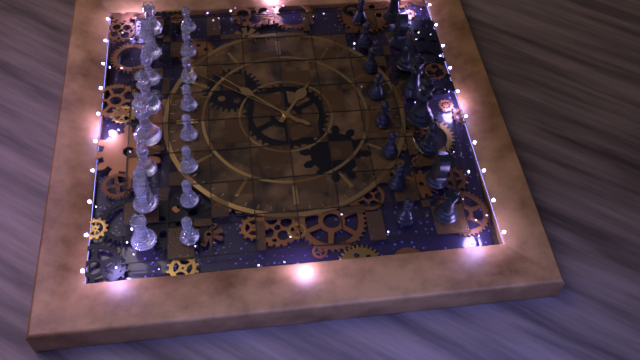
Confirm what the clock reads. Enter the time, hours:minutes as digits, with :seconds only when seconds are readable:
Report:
4:07:06
